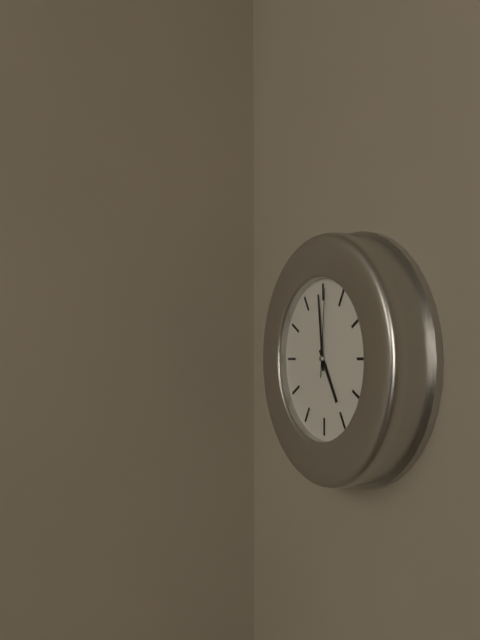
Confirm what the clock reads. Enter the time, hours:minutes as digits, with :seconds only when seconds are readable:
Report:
4:59:01
